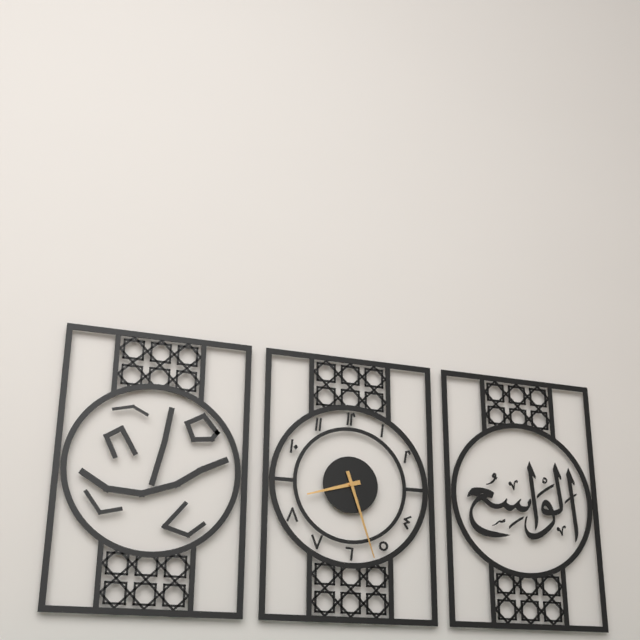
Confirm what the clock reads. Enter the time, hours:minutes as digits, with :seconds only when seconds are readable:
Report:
8:27
